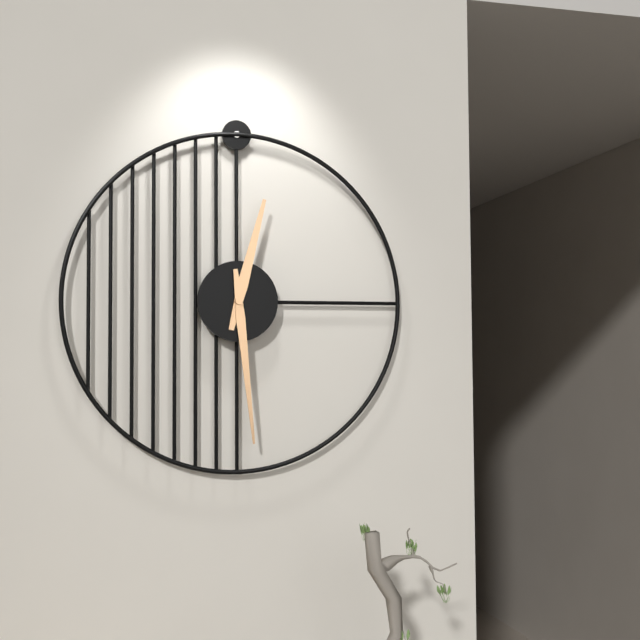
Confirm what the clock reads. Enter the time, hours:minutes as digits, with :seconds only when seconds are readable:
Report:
12:29
